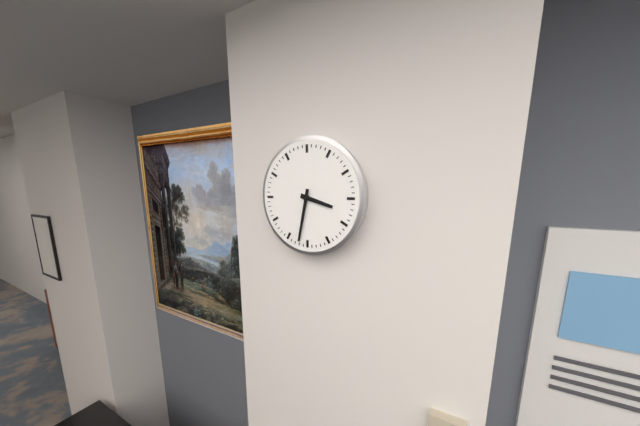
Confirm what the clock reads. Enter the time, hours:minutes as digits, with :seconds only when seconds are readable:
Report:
3:32
